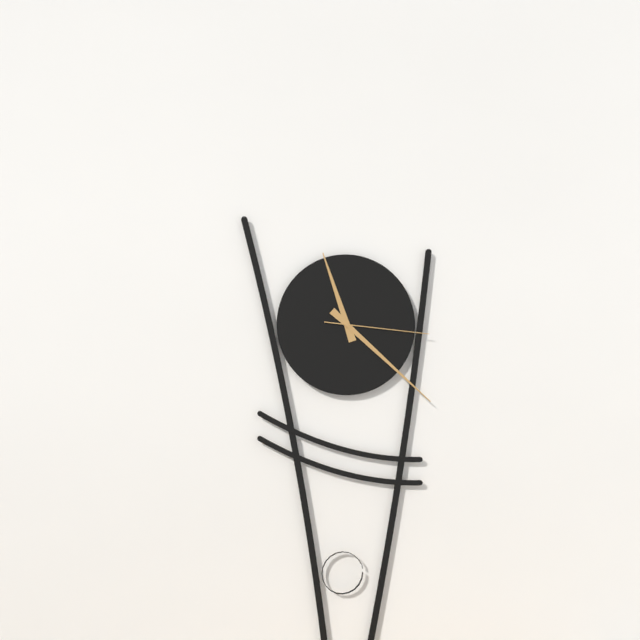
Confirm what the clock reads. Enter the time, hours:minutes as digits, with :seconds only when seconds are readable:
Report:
11:22:16
